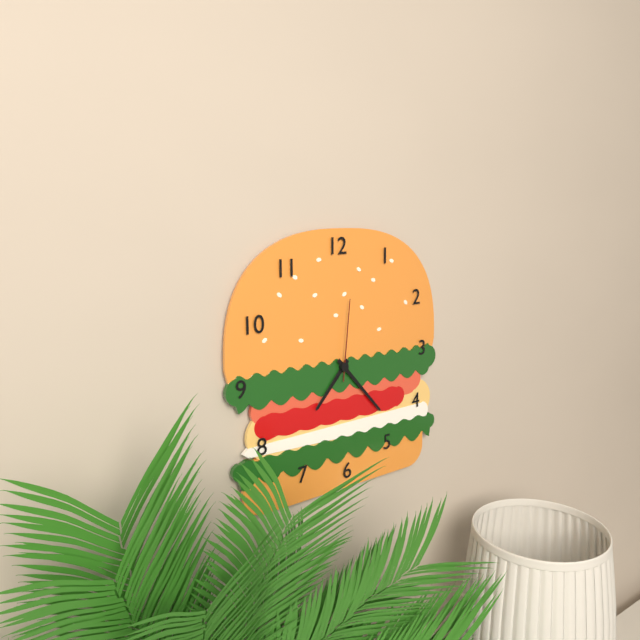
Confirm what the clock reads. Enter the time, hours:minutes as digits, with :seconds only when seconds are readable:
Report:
7:23:01
